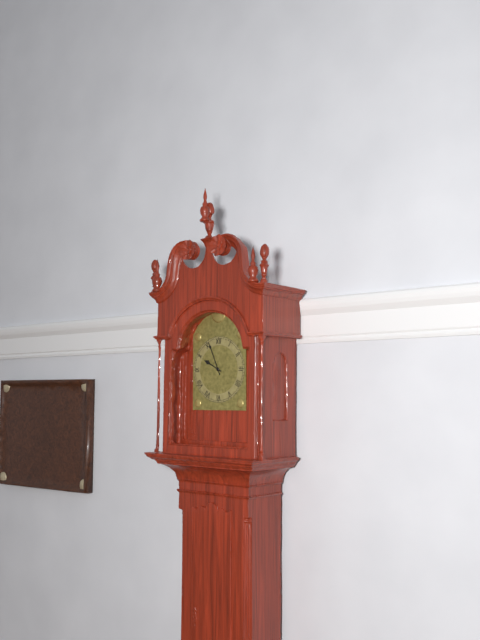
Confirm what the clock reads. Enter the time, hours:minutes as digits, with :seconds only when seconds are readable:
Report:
9:56
